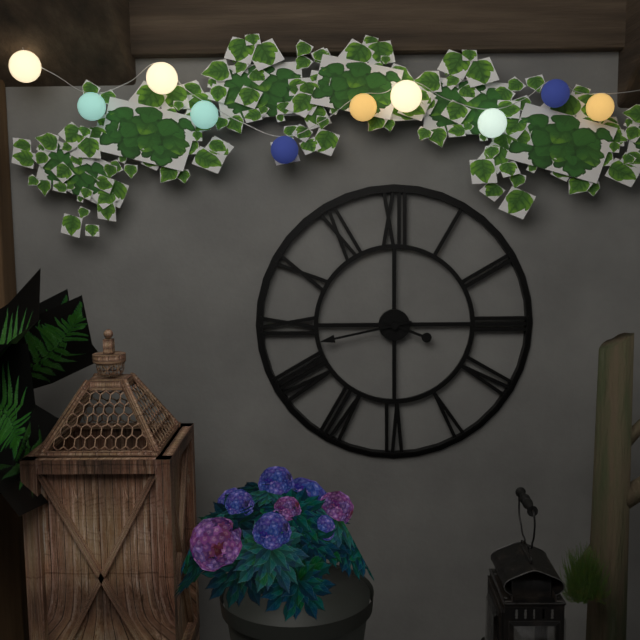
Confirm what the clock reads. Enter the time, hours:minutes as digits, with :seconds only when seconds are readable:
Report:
3:43
